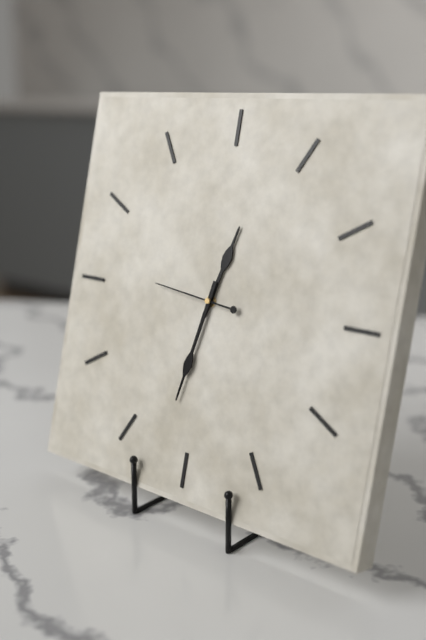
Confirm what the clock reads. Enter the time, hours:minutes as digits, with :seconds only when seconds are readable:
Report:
12:32:46
